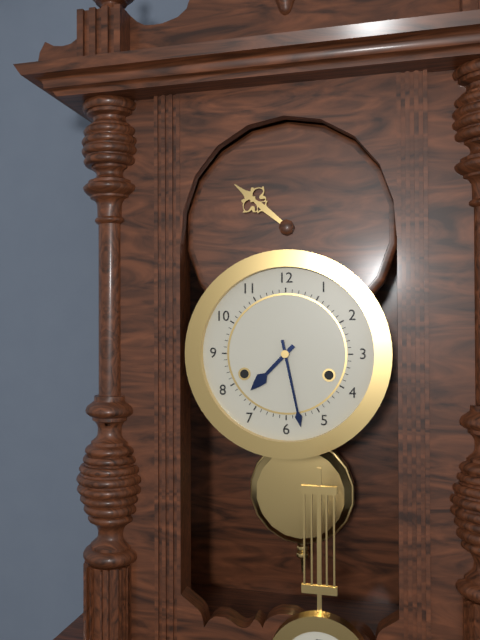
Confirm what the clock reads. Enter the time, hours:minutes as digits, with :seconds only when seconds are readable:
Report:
7:28
